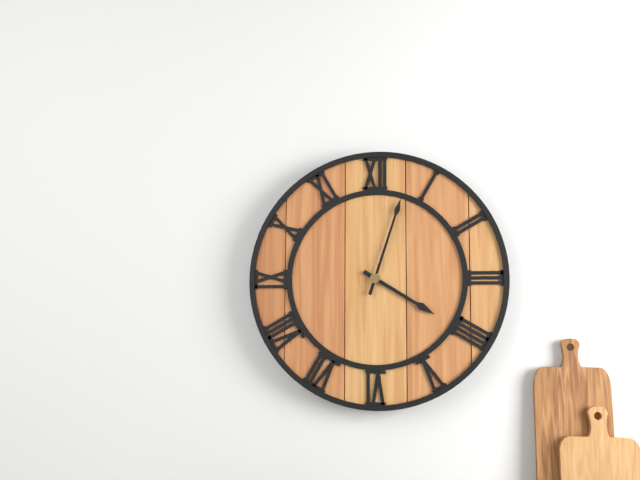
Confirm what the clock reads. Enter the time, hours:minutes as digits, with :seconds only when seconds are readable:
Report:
4:03
